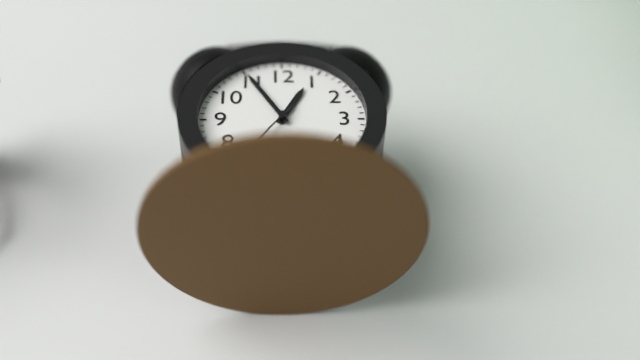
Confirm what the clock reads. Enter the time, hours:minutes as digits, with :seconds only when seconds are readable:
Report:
12:55
